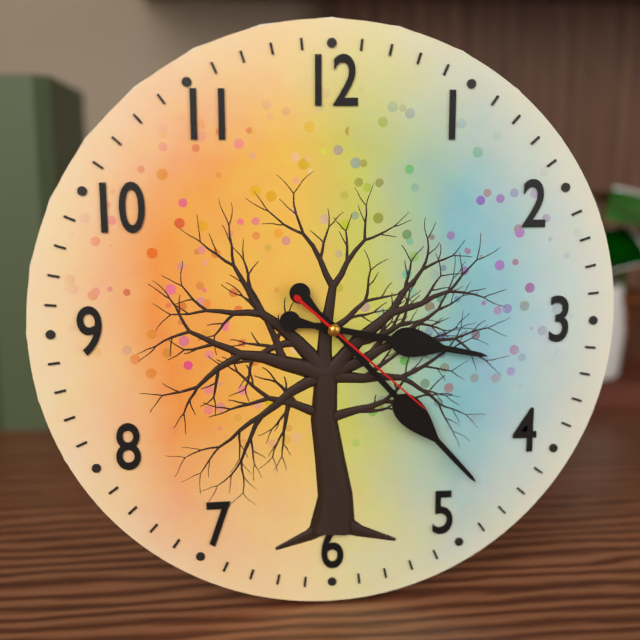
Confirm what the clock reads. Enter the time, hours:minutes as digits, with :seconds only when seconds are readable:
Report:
3:23:22
